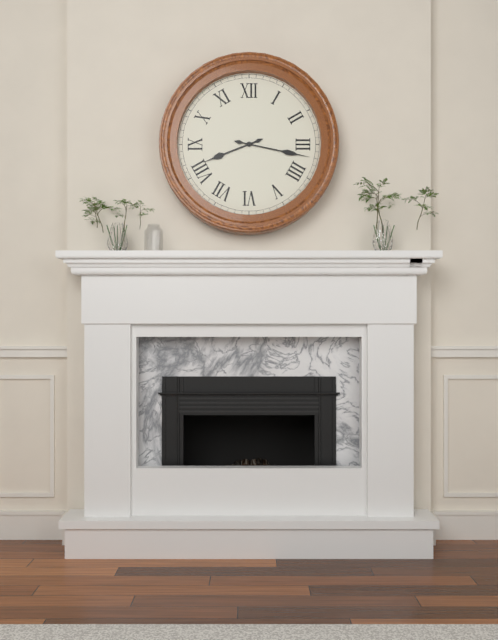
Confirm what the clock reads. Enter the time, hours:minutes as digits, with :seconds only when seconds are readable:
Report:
8:17
